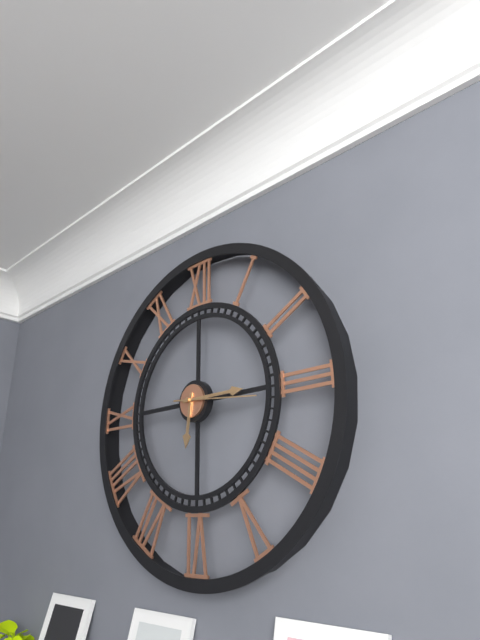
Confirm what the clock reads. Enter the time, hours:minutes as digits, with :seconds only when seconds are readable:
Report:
6:15:16
